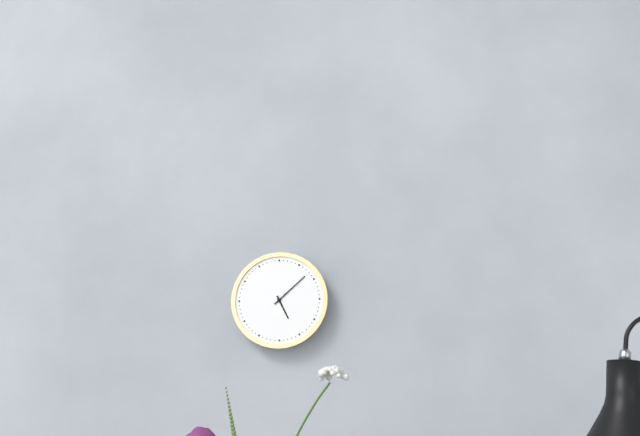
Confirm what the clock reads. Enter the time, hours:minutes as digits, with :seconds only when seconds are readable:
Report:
5:08
